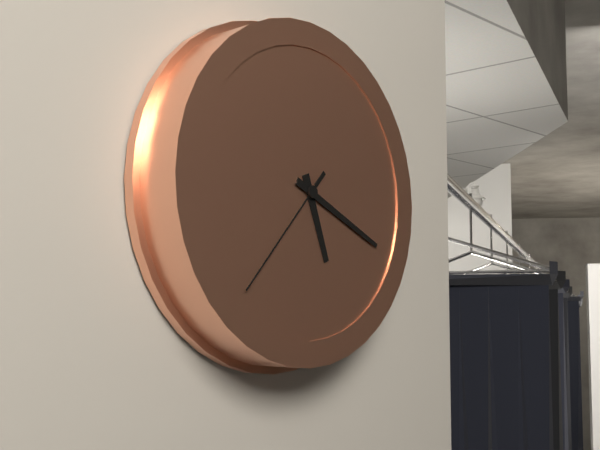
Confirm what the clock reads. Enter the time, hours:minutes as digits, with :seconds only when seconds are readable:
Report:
5:19:37
